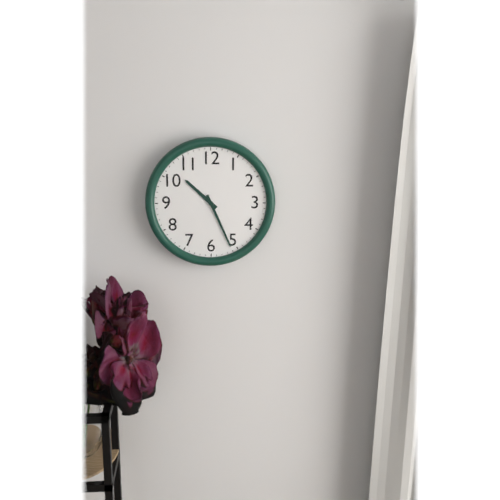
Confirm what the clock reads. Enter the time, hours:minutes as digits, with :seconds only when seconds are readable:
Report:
10:26
